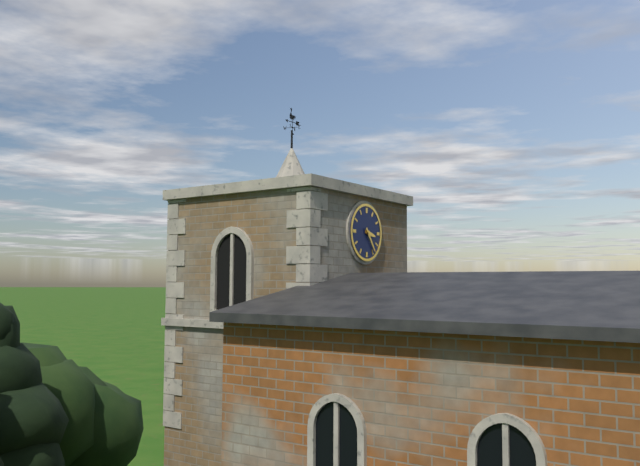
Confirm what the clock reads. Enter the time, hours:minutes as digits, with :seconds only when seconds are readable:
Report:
3:24
